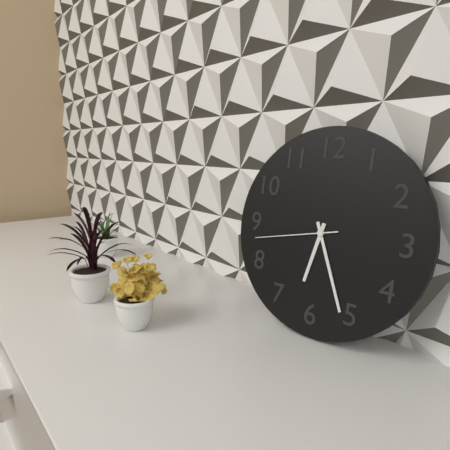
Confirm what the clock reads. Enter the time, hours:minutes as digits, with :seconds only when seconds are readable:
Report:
6:26:43
